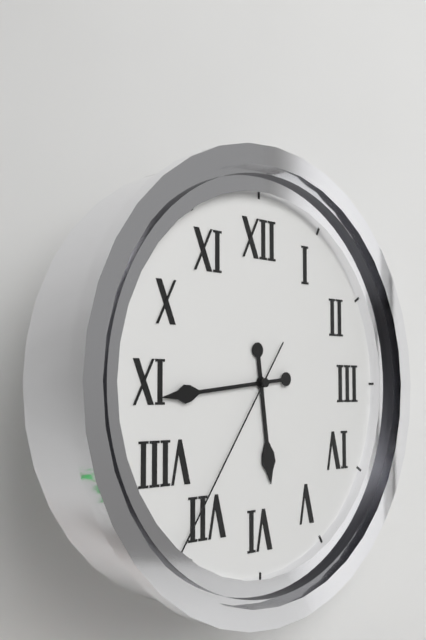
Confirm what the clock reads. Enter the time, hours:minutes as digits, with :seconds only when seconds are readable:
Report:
5:44:36
